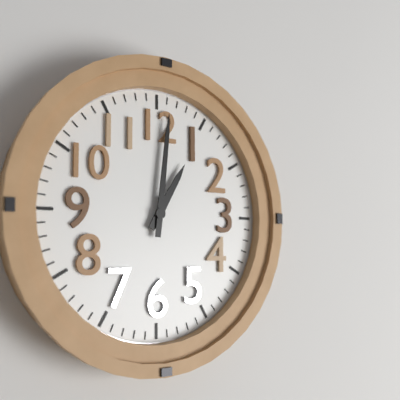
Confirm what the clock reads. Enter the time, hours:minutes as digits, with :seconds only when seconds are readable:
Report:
1:01
